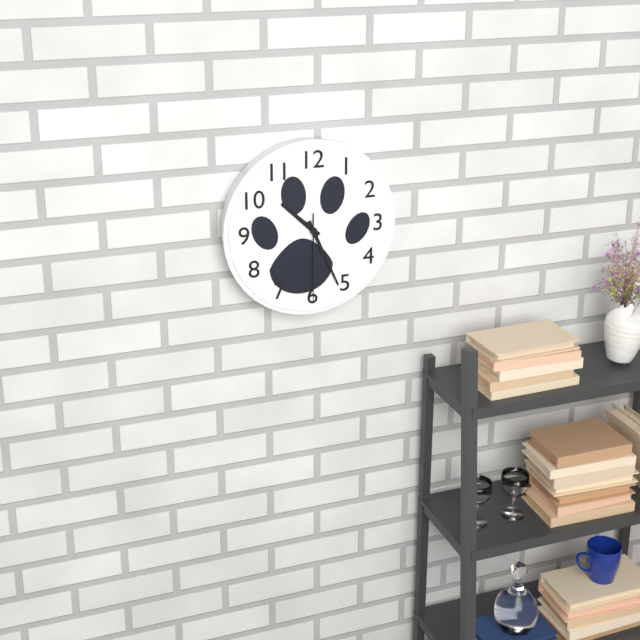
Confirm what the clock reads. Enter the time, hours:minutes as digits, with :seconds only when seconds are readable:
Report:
10:26:30
